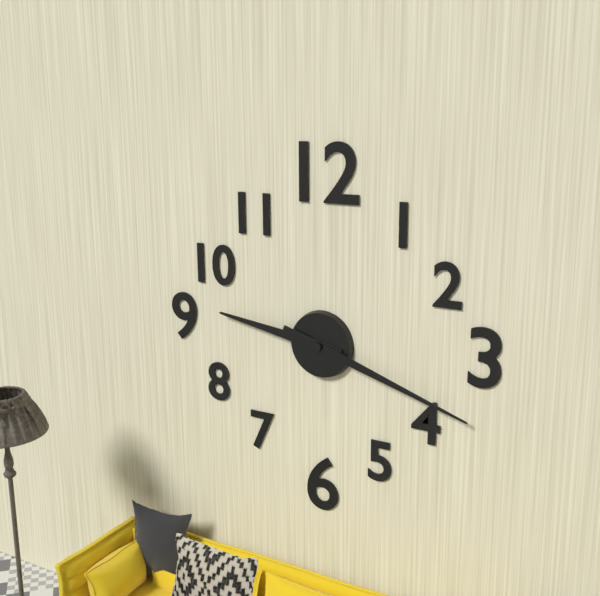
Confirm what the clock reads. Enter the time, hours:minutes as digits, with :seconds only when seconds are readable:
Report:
9:18
